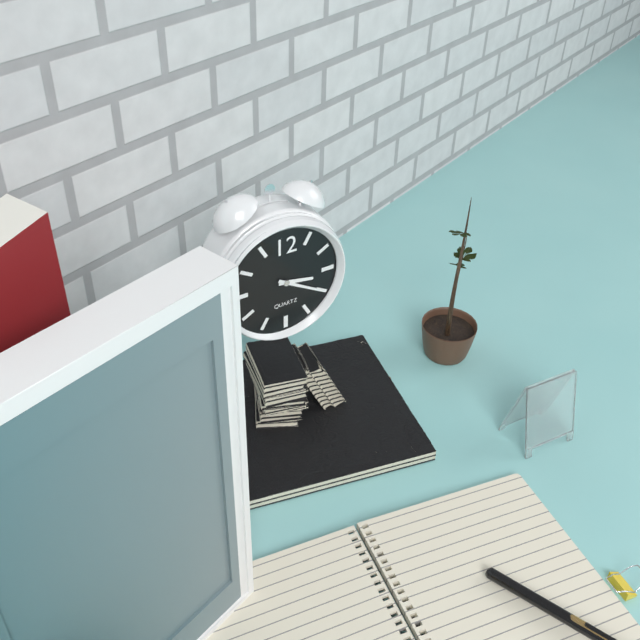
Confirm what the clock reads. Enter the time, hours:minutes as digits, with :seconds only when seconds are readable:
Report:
3:20
